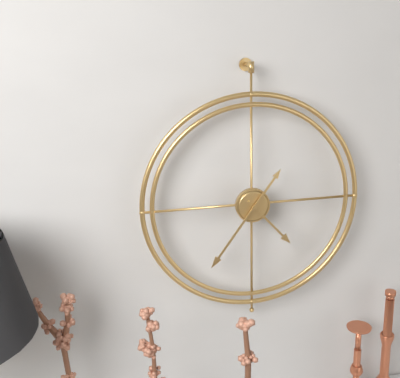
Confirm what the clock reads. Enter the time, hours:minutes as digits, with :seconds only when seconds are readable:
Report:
4:36
